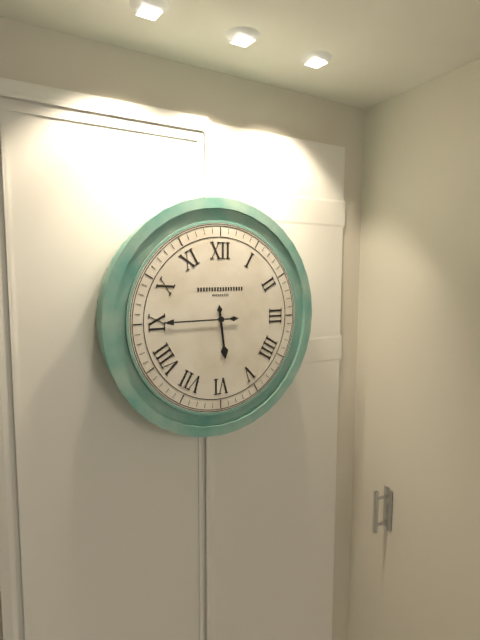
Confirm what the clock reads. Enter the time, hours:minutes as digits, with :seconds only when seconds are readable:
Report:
5:45
